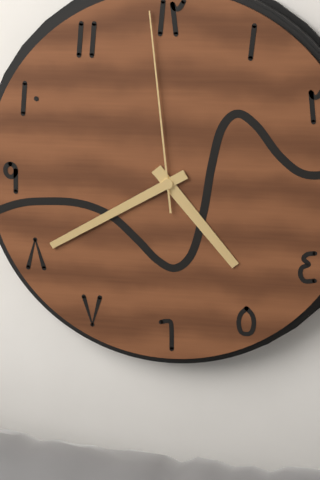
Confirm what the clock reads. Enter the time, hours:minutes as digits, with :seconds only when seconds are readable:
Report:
4:40:59
